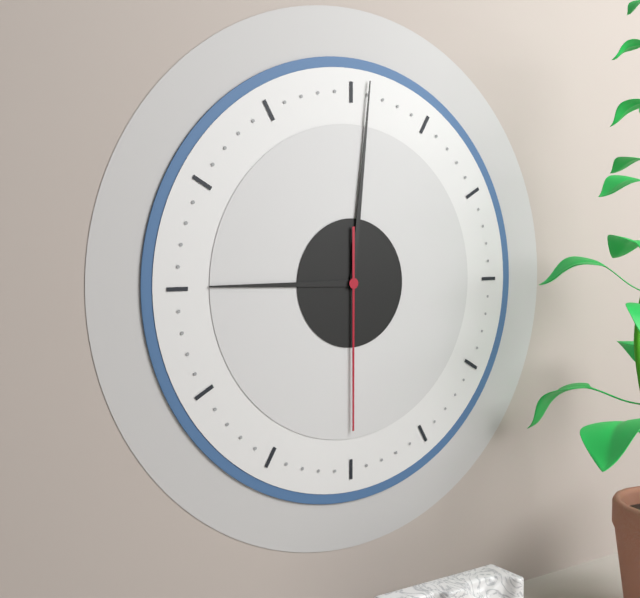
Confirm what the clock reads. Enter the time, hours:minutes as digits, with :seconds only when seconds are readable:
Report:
9:01:30
